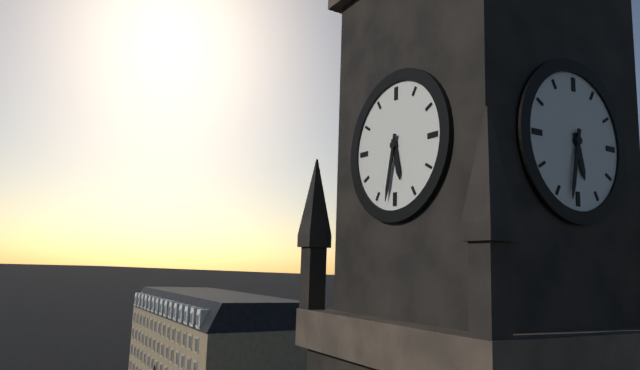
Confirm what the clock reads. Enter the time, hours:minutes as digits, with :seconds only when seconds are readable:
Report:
5:32
